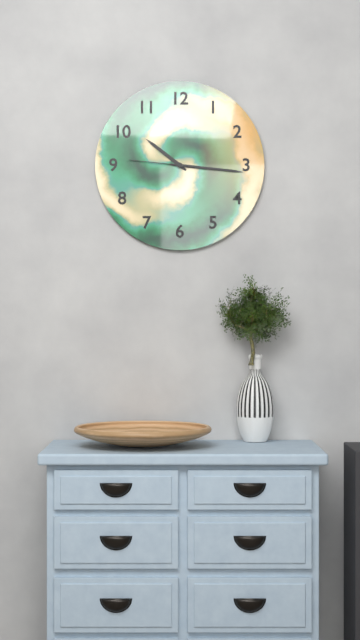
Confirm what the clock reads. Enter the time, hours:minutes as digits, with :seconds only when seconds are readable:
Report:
10:16:46
